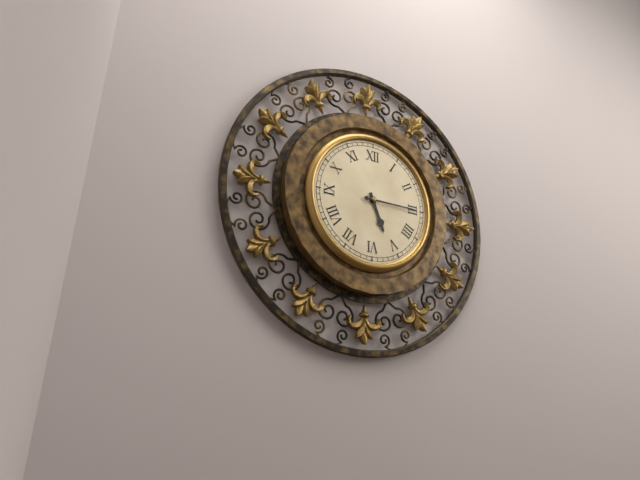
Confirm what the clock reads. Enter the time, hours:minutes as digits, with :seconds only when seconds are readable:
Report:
5:15
